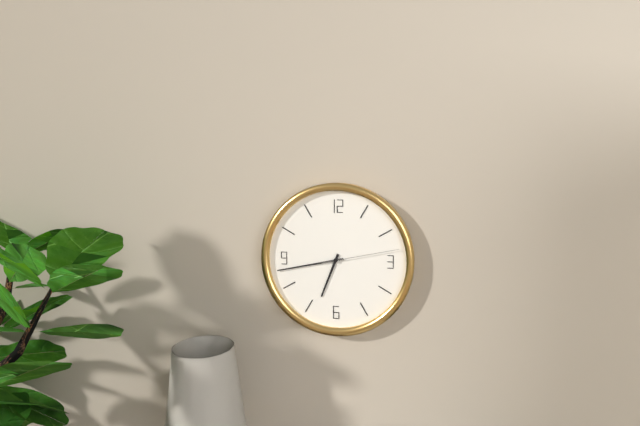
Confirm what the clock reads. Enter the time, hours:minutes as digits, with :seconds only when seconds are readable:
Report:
6:43:13
